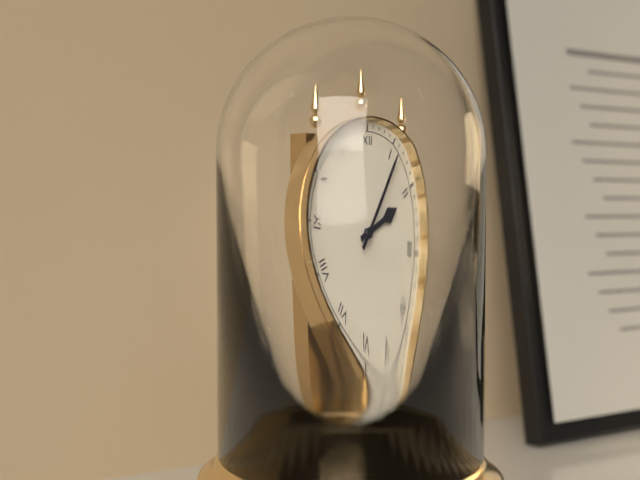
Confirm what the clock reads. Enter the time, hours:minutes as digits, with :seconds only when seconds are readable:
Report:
2:06
